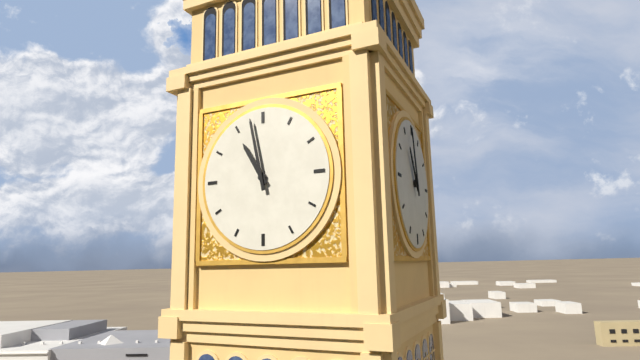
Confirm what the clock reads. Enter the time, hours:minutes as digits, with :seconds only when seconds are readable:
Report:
10:58
